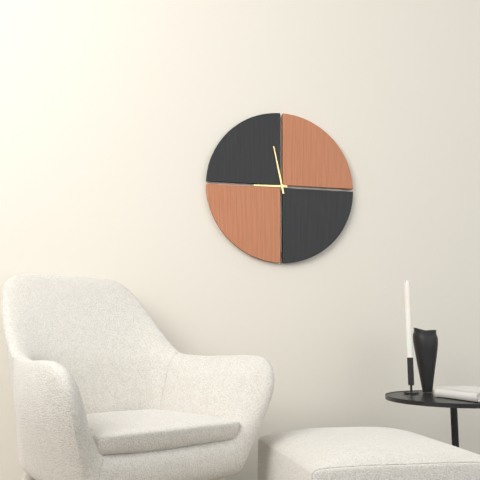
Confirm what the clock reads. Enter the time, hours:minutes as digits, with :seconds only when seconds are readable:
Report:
8:58
